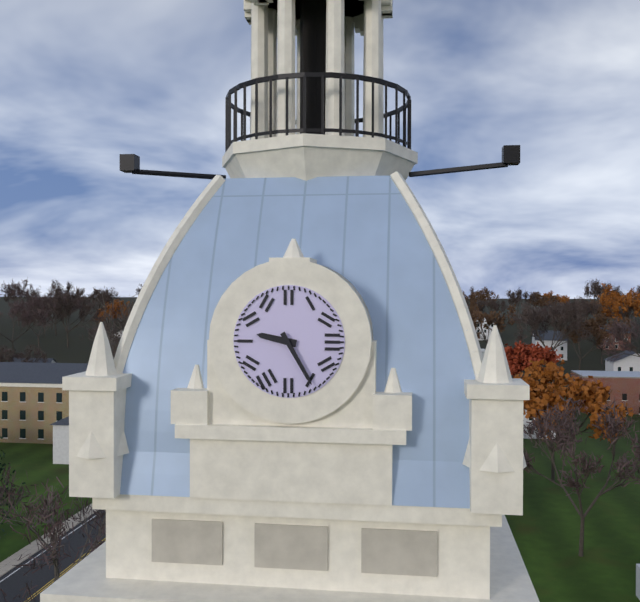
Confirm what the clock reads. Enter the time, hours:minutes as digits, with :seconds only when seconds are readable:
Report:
9:25
